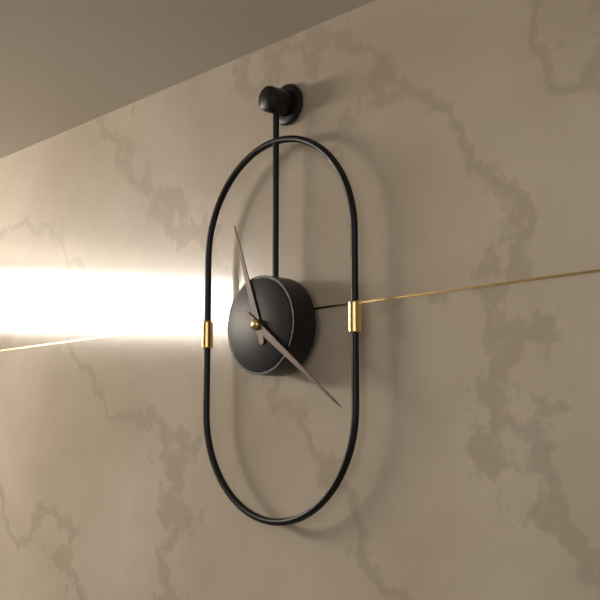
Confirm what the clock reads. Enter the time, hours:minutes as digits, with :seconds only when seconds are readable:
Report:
11:21
